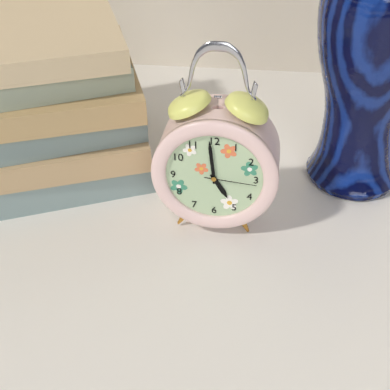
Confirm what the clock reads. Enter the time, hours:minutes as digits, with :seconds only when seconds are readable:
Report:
4:59:16
